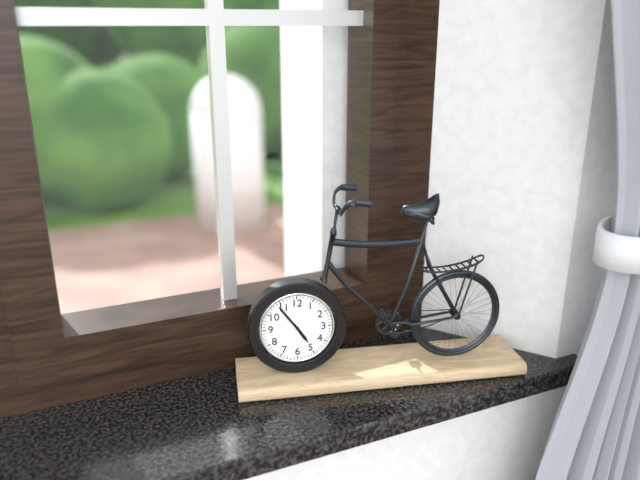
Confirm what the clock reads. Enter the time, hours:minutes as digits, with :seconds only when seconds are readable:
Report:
4:54
